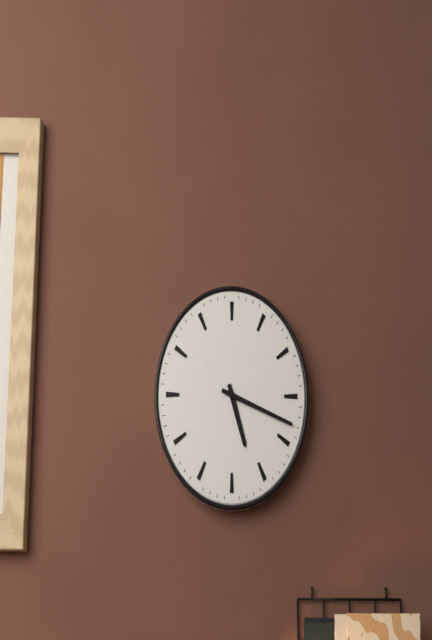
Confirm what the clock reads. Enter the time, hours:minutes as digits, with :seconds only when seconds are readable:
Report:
5:18
